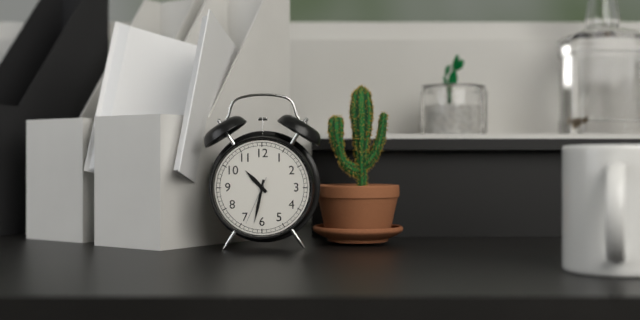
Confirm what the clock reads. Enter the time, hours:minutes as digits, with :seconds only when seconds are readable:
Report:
10:32
